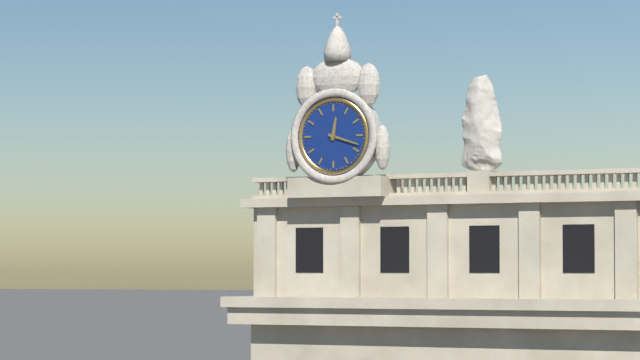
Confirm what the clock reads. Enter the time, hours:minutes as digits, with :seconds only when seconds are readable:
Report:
12:18
